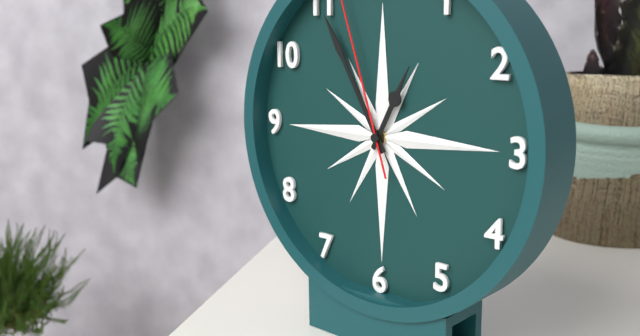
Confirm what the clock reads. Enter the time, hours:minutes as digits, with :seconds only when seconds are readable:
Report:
12:55
